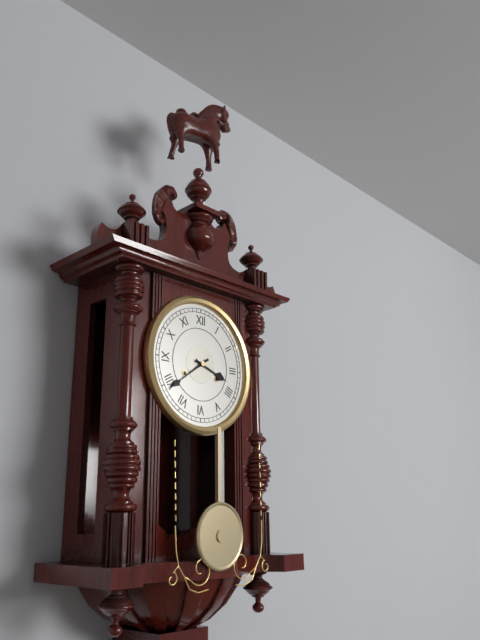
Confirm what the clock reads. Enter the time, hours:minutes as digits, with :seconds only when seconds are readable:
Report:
3:39
